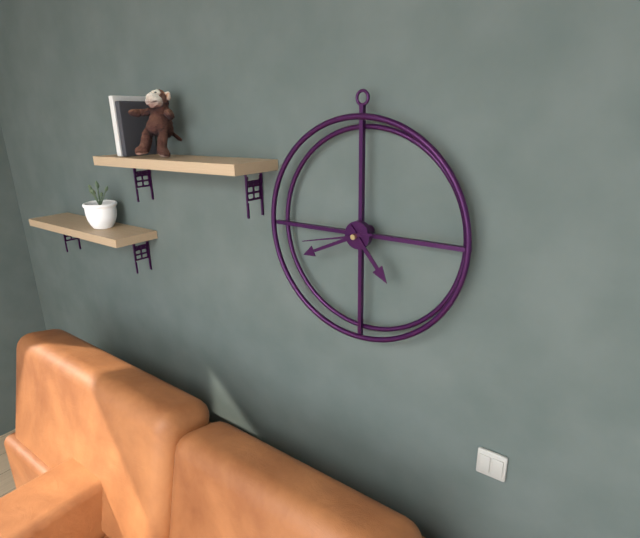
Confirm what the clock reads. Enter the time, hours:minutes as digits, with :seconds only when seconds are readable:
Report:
4:41:43
